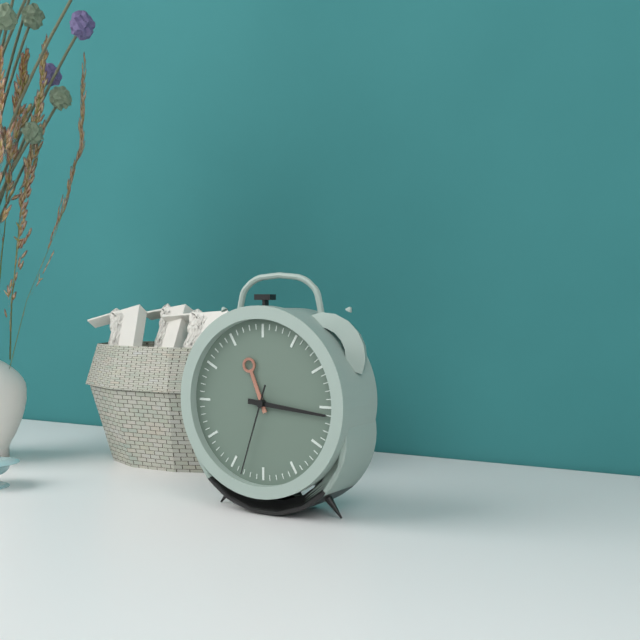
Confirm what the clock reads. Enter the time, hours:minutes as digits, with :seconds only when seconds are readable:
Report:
11:16:33
